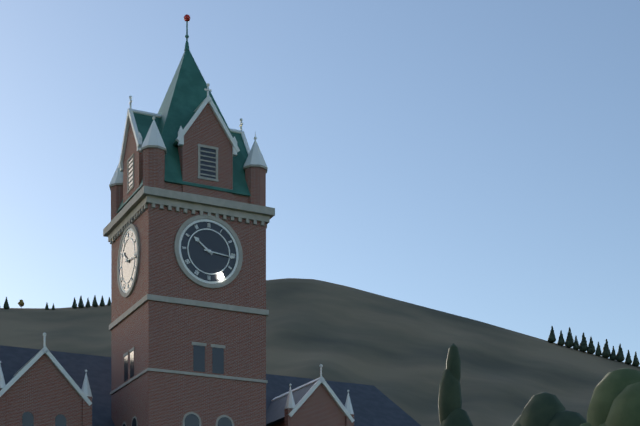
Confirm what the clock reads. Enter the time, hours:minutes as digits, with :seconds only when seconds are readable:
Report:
10:16
